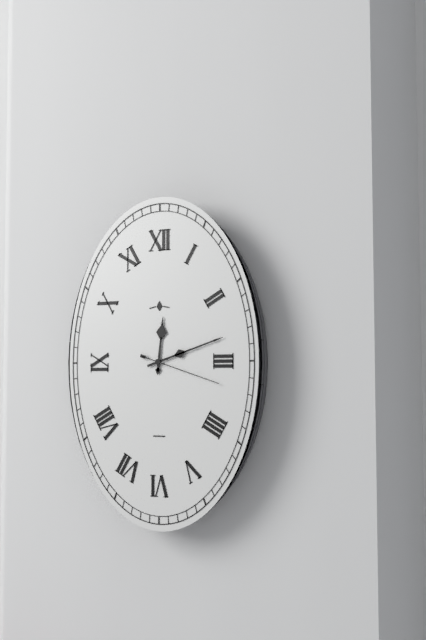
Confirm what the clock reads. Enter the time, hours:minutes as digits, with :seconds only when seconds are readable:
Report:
12:12:18
